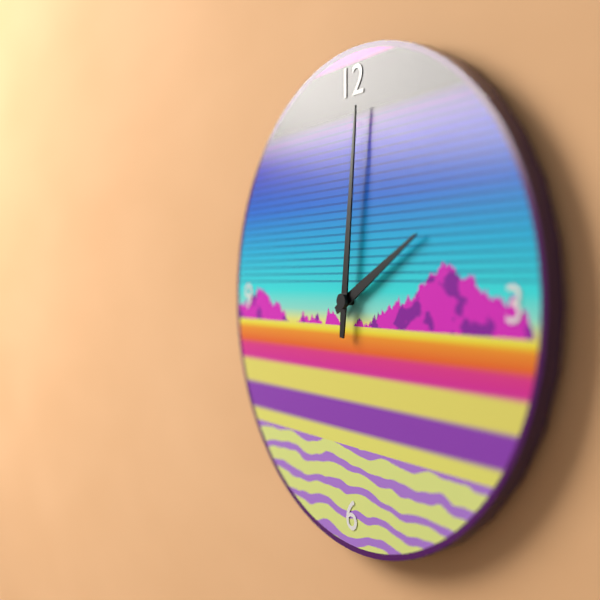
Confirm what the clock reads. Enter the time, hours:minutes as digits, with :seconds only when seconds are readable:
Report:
2:01
